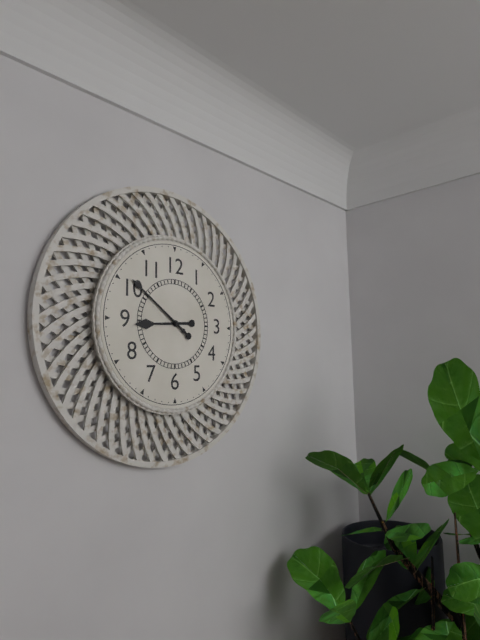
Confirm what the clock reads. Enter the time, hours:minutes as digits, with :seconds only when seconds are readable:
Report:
8:51
